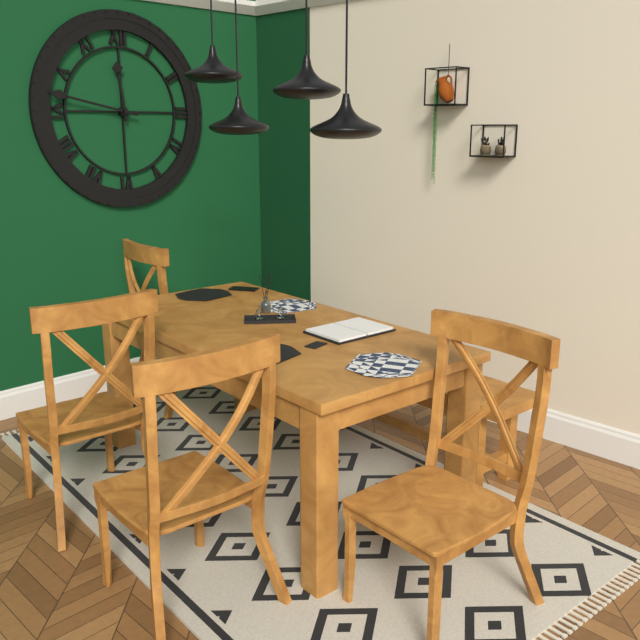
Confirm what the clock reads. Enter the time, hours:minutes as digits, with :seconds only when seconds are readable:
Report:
11:47
